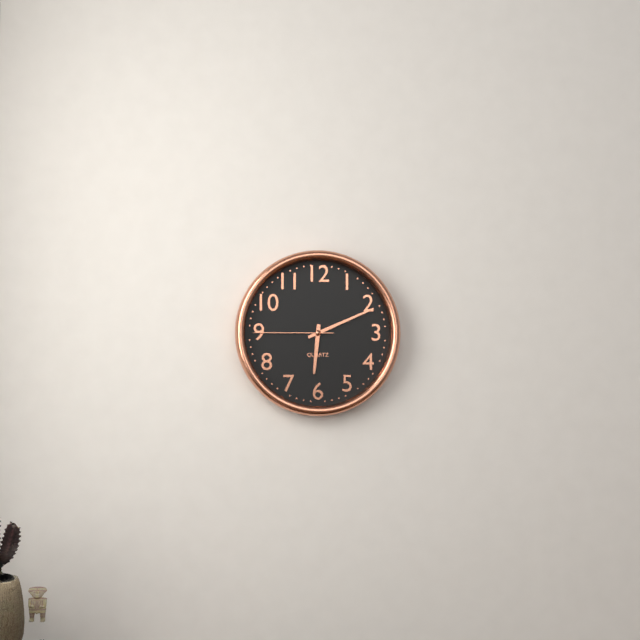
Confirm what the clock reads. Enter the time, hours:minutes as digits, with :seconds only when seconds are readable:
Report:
6:11:45
